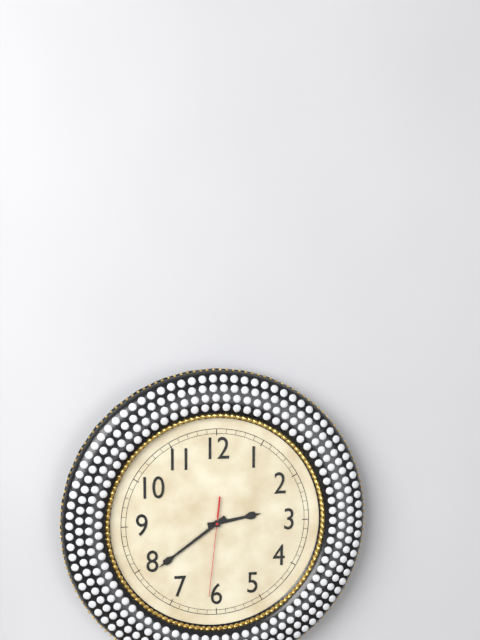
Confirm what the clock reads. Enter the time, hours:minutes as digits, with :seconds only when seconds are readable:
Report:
2:39:31
